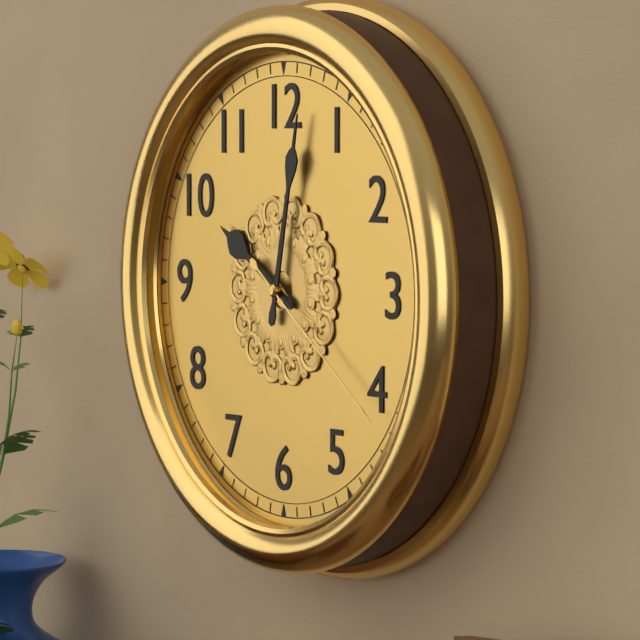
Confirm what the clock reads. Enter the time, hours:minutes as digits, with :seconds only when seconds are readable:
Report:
10:02:21
